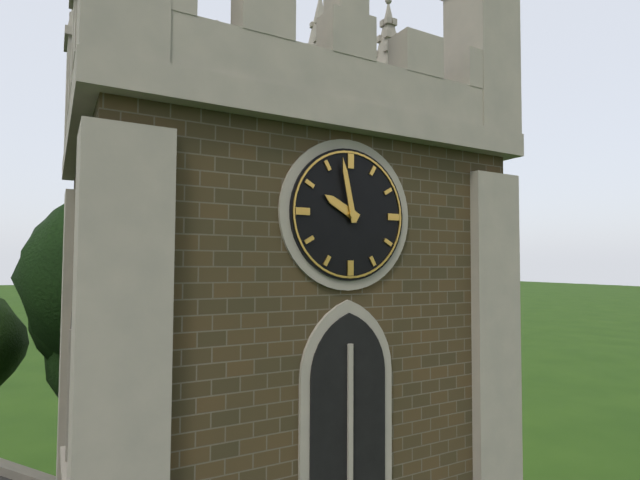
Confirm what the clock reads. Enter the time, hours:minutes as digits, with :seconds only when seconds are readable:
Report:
9:58
